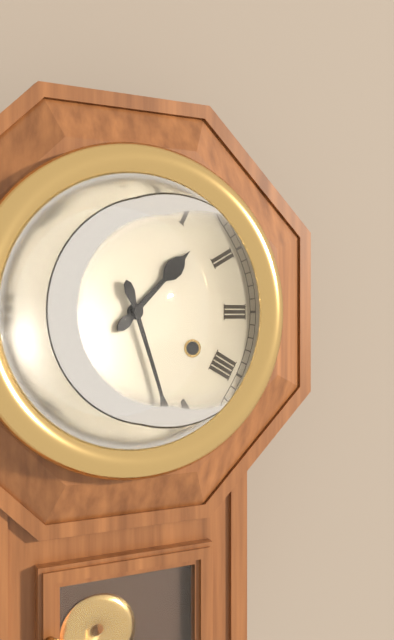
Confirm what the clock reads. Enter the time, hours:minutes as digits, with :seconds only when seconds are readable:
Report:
1:27
